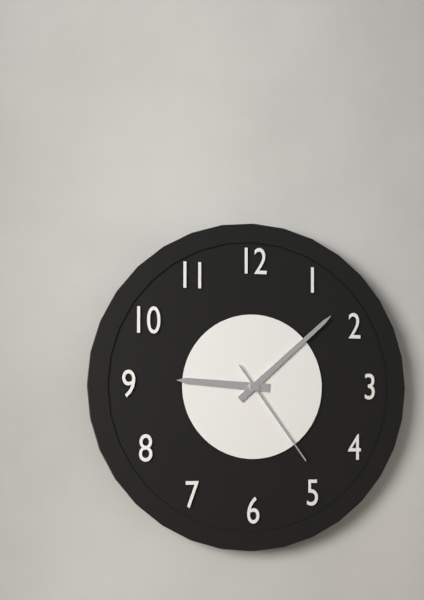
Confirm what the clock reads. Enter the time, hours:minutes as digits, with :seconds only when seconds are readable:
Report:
9:08:24
